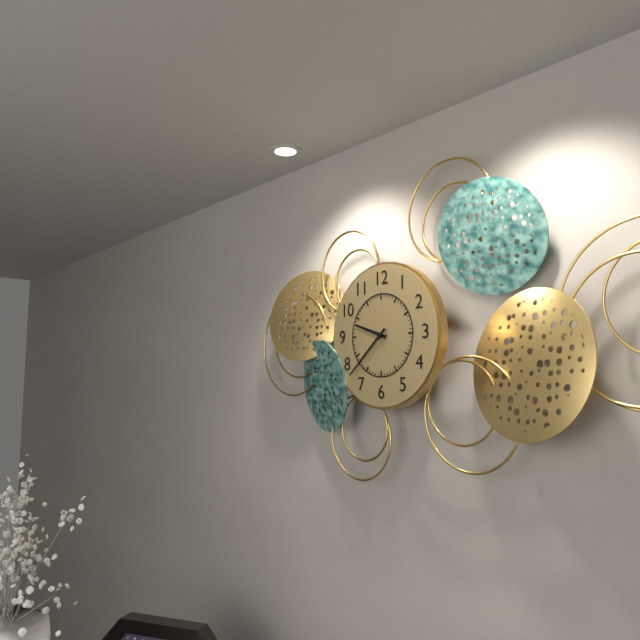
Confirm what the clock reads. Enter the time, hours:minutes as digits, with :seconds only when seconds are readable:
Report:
9:38
